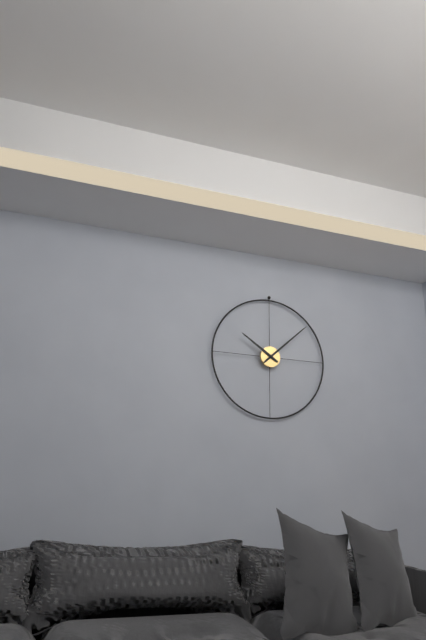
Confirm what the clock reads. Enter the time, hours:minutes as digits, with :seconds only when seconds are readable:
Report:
10:08
